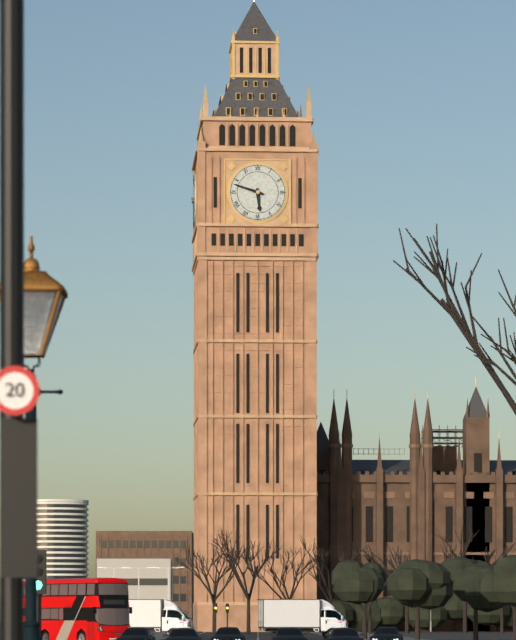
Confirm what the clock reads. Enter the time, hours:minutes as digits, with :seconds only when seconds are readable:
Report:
5:48
